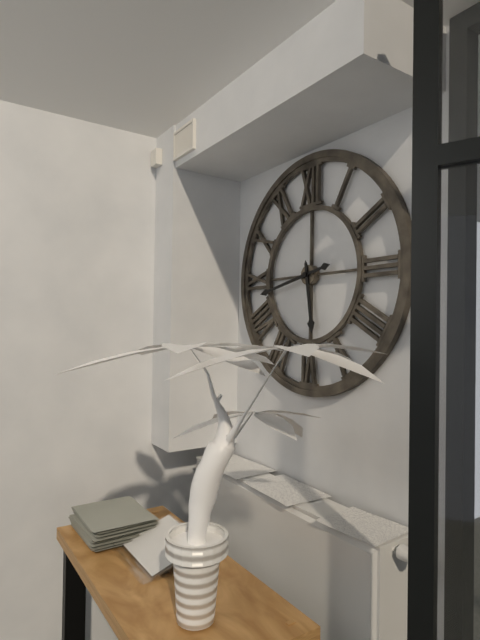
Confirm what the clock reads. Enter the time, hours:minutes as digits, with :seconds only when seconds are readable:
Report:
5:43
